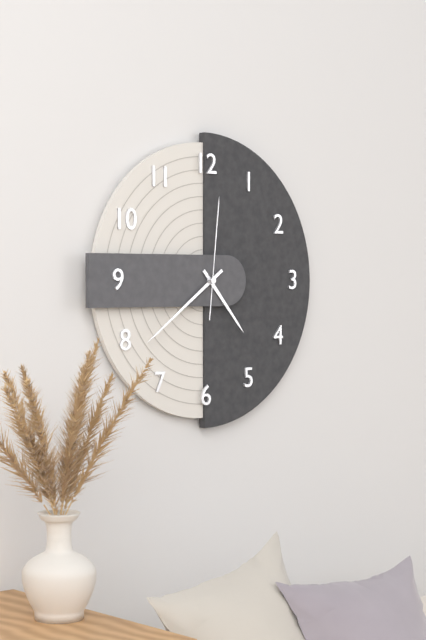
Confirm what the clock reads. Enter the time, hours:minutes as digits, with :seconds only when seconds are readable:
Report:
4:39:01
